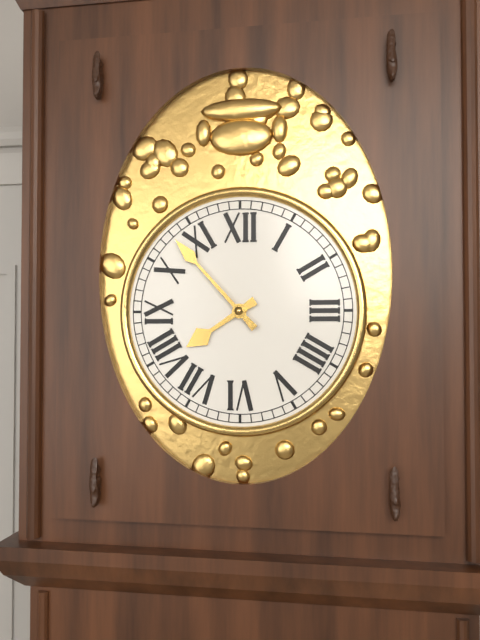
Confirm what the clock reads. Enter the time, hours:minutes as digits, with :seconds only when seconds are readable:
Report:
7:53
